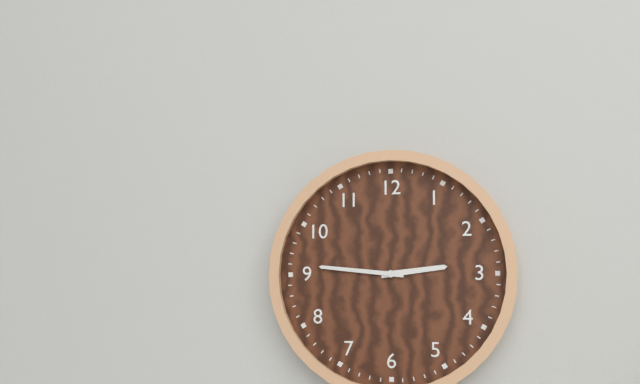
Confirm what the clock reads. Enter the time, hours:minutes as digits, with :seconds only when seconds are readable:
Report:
2:46
